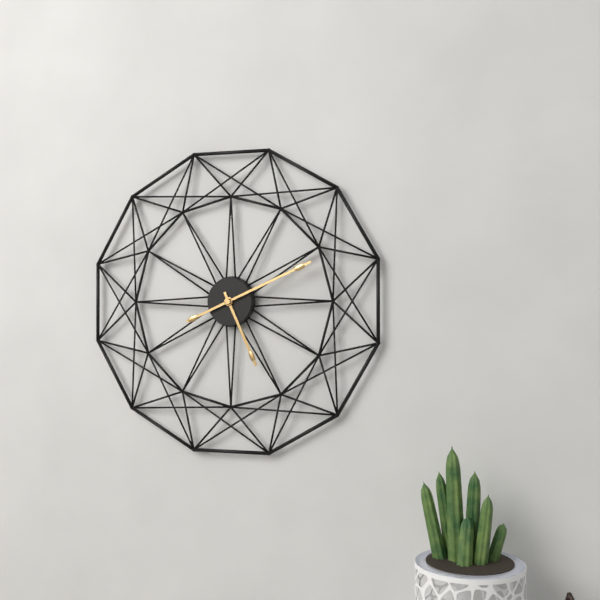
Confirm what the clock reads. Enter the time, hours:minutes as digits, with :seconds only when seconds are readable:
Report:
5:11
